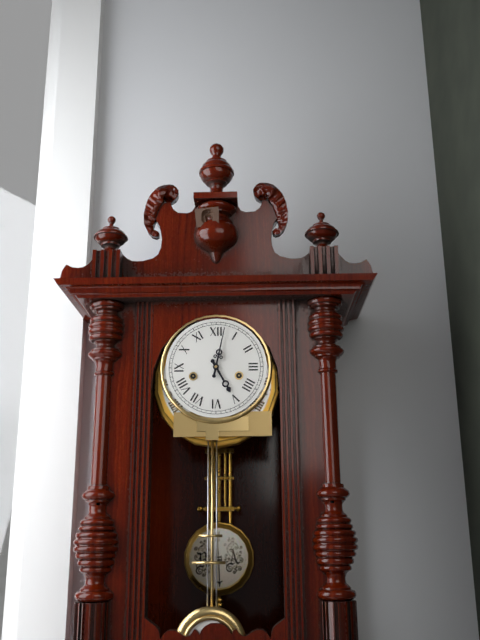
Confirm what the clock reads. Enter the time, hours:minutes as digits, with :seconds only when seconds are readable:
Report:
5:02
